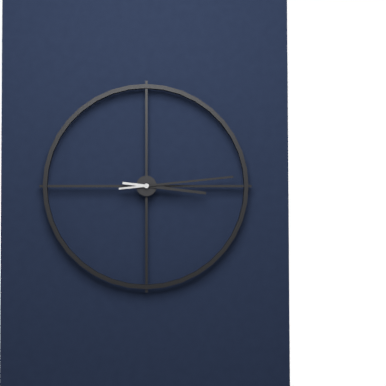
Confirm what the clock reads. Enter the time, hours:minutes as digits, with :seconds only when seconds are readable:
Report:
3:14
